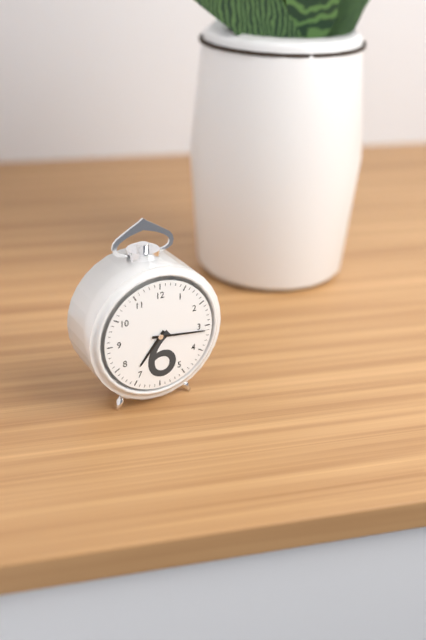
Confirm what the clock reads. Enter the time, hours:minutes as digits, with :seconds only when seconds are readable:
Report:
7:16
